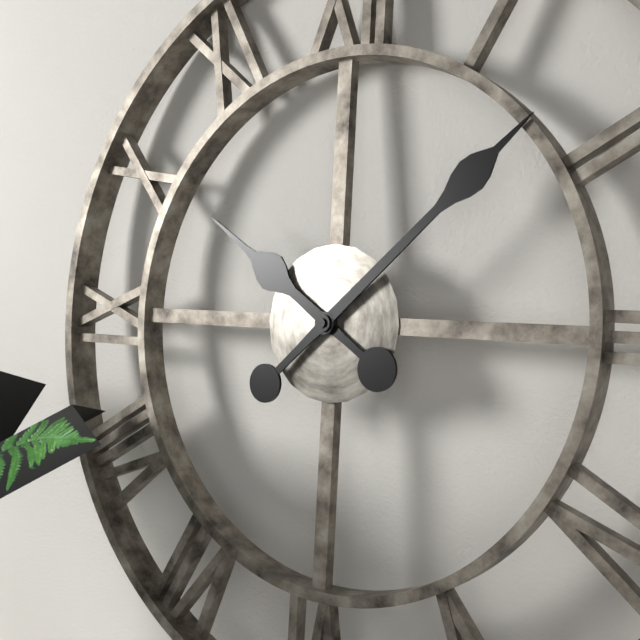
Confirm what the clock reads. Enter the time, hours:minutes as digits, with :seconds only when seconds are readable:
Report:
10:08
